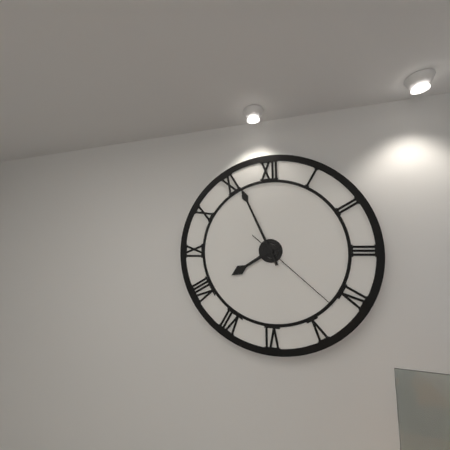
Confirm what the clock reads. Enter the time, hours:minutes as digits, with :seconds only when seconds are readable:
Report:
7:56:22
